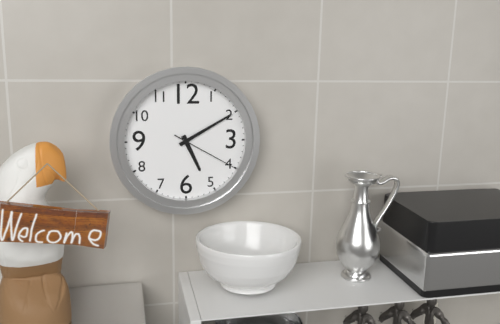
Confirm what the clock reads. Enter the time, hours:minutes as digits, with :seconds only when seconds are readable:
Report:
5:10:20
